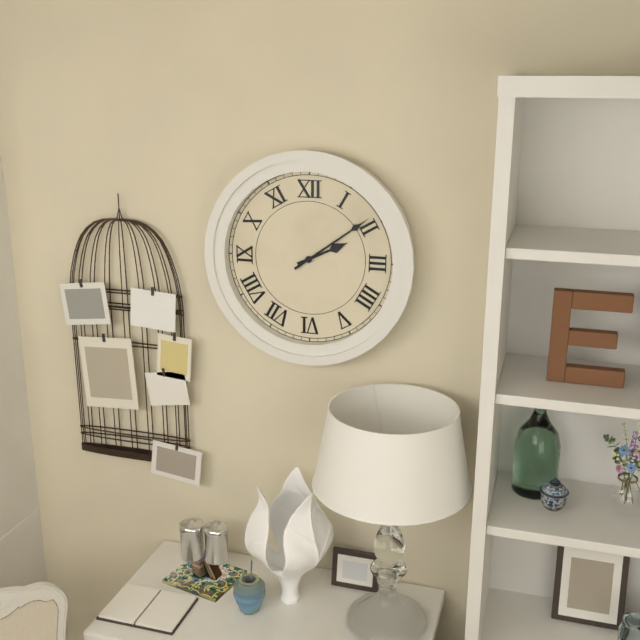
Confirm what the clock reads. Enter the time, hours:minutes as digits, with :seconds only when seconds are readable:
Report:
2:09
